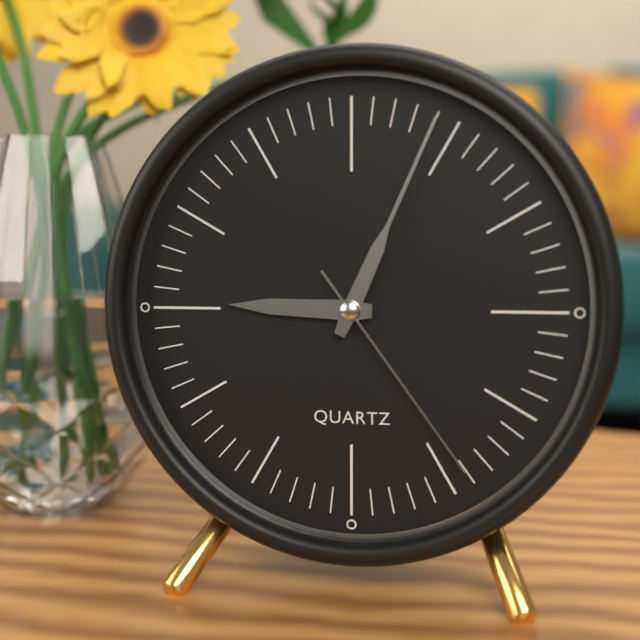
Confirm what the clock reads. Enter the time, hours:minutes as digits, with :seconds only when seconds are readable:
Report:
9:04:24
